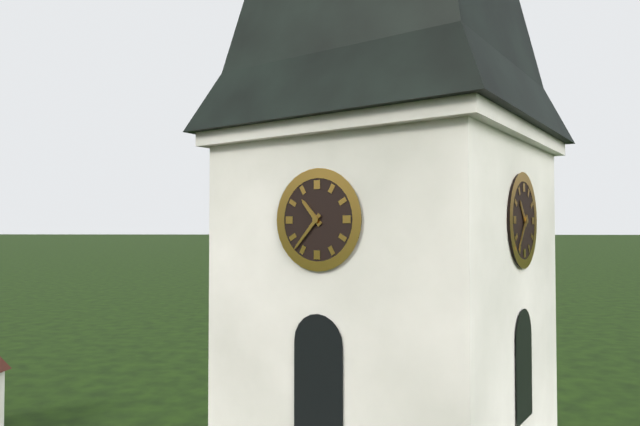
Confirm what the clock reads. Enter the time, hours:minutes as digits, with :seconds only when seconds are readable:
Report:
10:37
